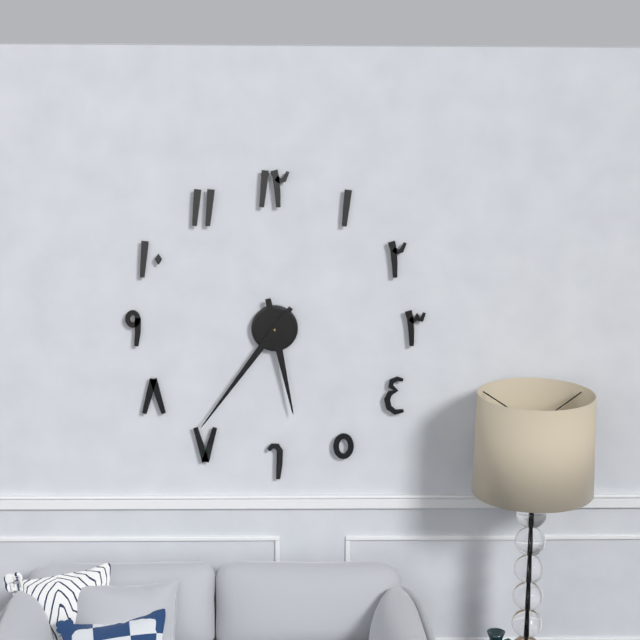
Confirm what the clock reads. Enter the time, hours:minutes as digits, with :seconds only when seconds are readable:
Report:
5:36
